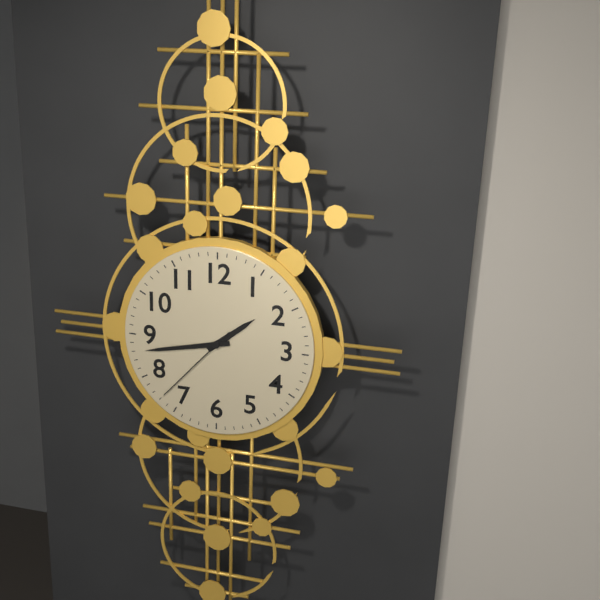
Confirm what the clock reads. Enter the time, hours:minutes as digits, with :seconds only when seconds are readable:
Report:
1:43:37
